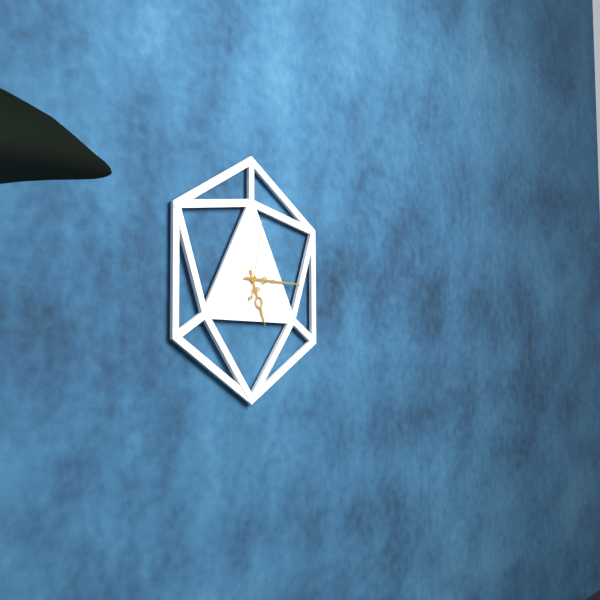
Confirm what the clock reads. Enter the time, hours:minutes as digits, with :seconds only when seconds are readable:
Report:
5:15:02
